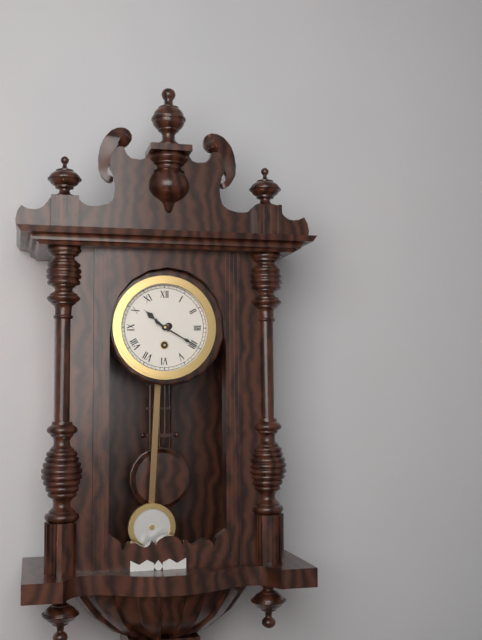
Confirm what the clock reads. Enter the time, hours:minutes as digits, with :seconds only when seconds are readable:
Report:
10:20
